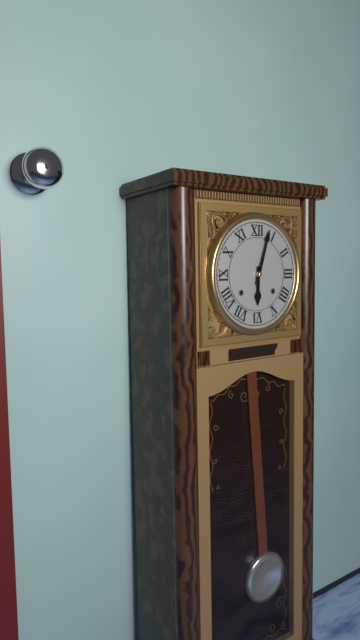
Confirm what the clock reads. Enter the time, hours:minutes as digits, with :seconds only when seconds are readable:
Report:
6:03
